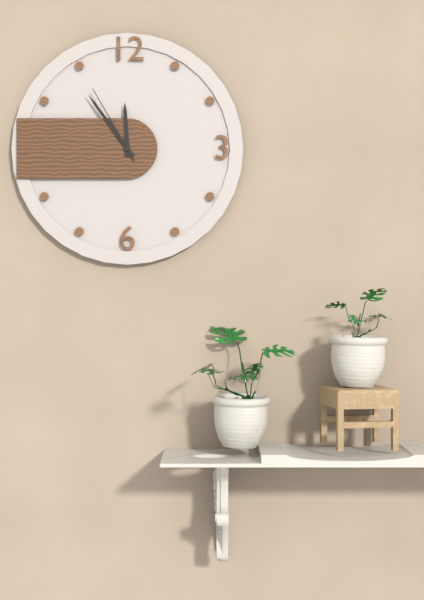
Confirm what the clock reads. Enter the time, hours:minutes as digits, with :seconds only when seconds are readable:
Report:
11:54:55
